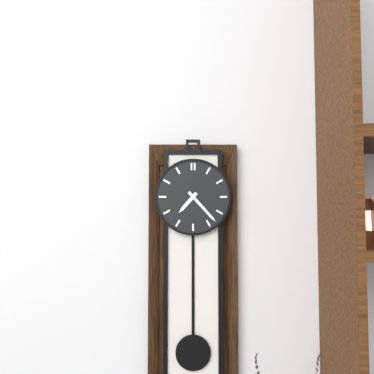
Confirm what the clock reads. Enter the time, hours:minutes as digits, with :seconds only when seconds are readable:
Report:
7:23
